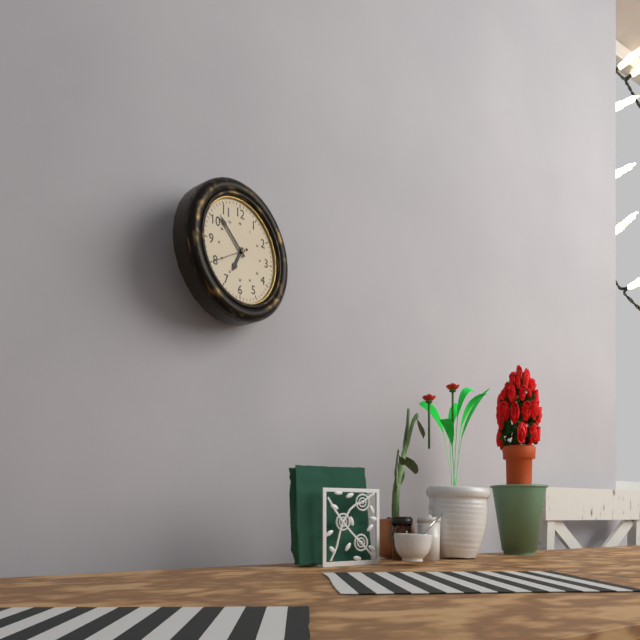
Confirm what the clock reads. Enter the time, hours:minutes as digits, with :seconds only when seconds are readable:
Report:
6:52
